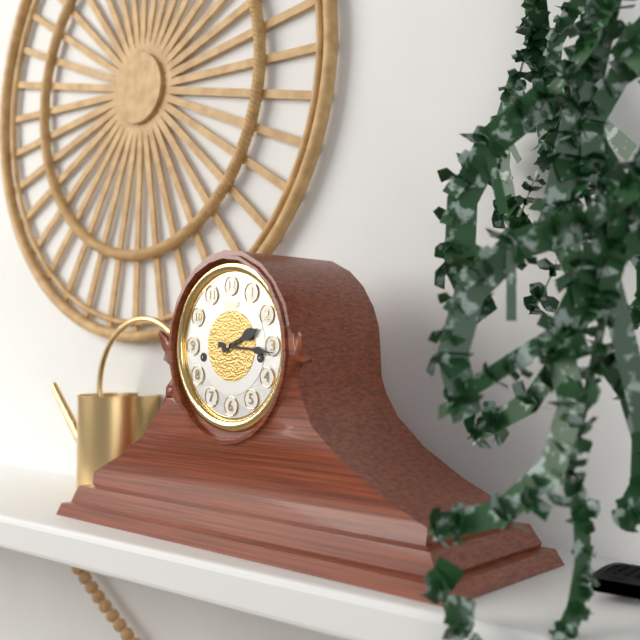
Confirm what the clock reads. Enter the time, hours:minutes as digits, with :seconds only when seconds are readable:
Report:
2:16
